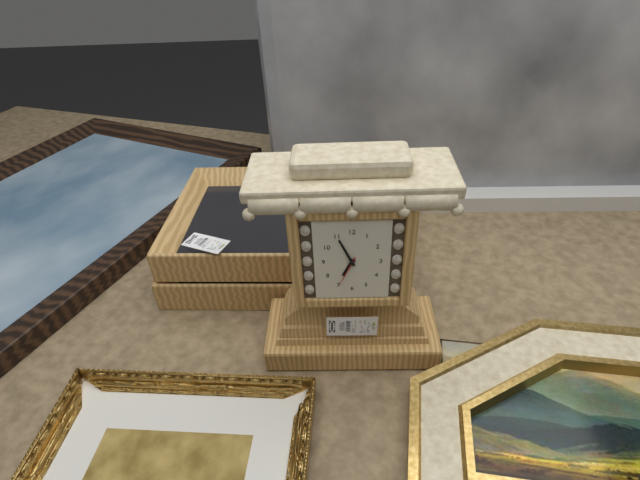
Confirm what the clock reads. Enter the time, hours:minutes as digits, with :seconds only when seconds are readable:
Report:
6:56
